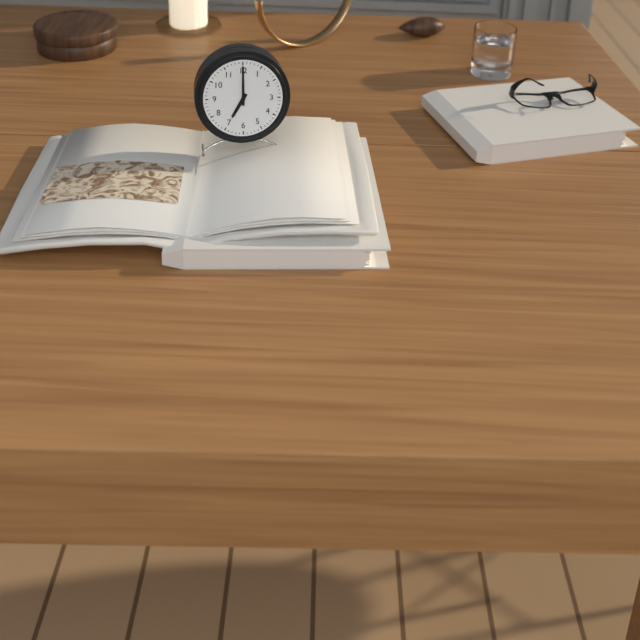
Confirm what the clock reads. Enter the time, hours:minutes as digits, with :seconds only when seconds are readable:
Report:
7:00
